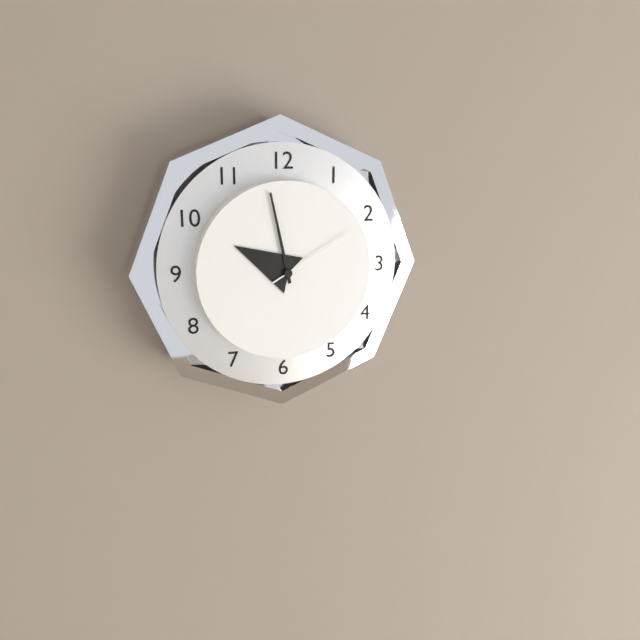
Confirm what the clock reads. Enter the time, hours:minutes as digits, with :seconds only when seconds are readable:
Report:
9:58:10
